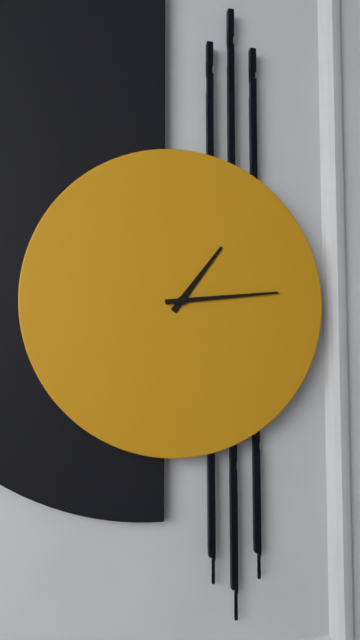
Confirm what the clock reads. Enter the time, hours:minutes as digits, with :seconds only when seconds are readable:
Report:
1:14
